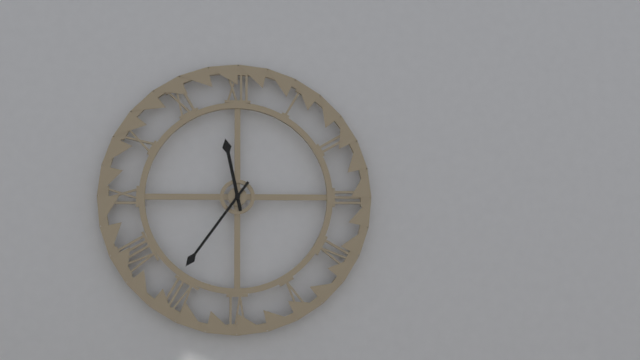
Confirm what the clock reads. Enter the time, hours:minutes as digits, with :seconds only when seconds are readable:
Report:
11:36
